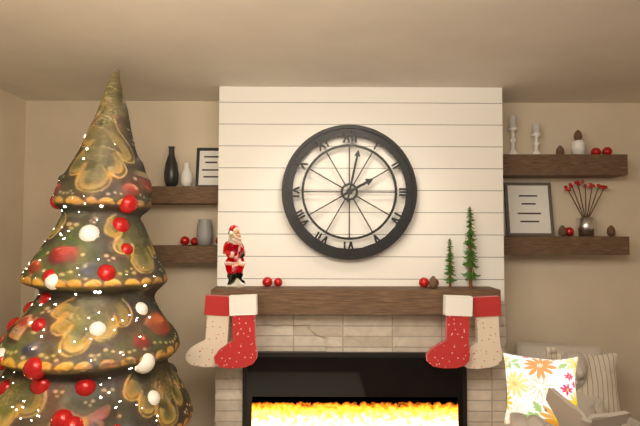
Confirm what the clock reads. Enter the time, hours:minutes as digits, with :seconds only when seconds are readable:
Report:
2:02
